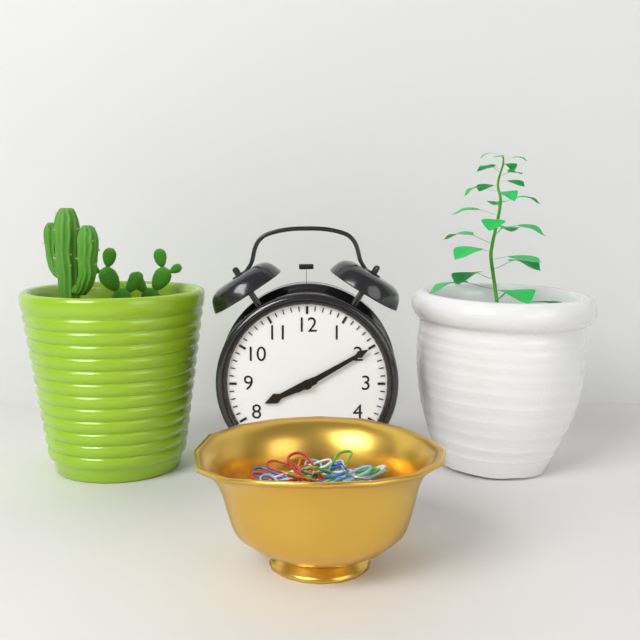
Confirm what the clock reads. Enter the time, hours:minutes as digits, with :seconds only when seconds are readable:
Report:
8:10
